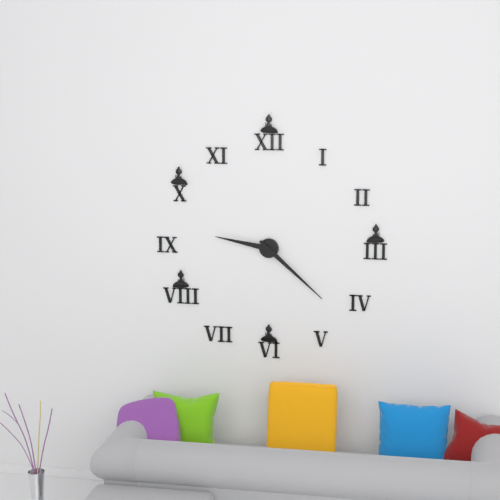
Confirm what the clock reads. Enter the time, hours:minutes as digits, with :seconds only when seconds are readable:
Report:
9:22
